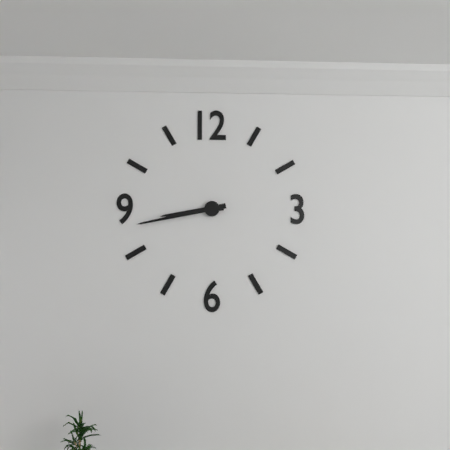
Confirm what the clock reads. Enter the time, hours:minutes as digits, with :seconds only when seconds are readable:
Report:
8:43
